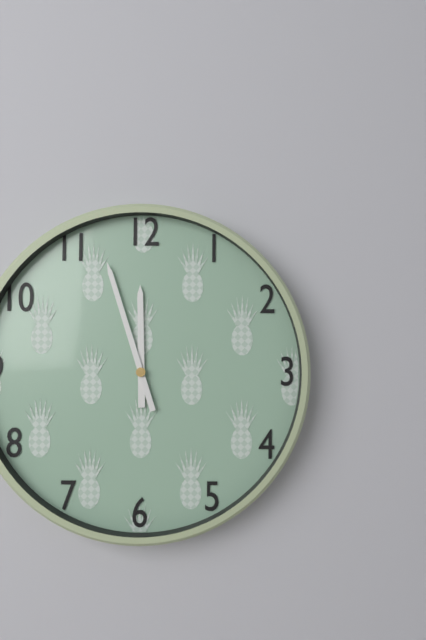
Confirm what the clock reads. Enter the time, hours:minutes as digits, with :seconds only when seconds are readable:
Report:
11:57
